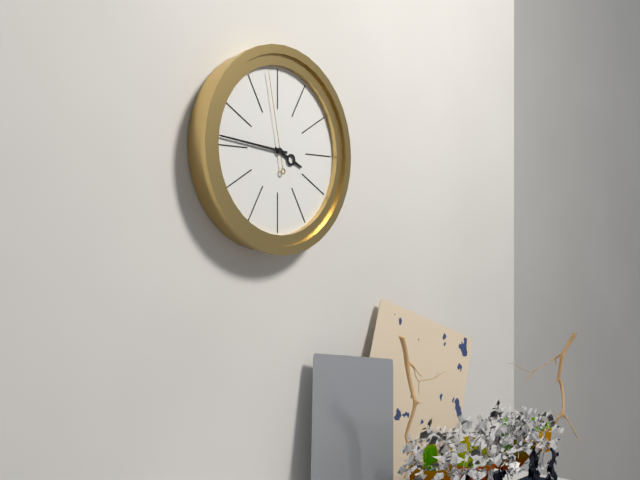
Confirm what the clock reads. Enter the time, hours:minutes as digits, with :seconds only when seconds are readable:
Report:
3:46:58
